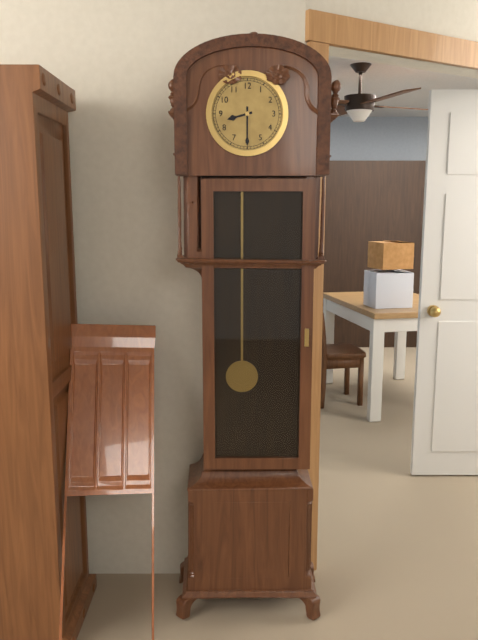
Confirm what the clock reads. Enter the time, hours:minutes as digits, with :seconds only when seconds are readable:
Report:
8:30
